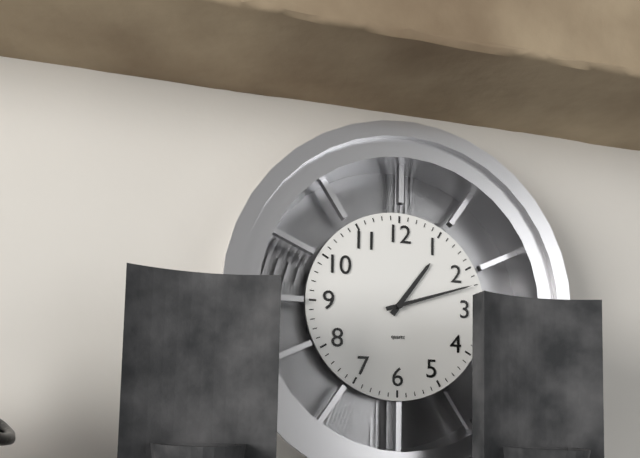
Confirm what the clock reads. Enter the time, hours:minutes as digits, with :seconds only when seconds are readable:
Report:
1:12
